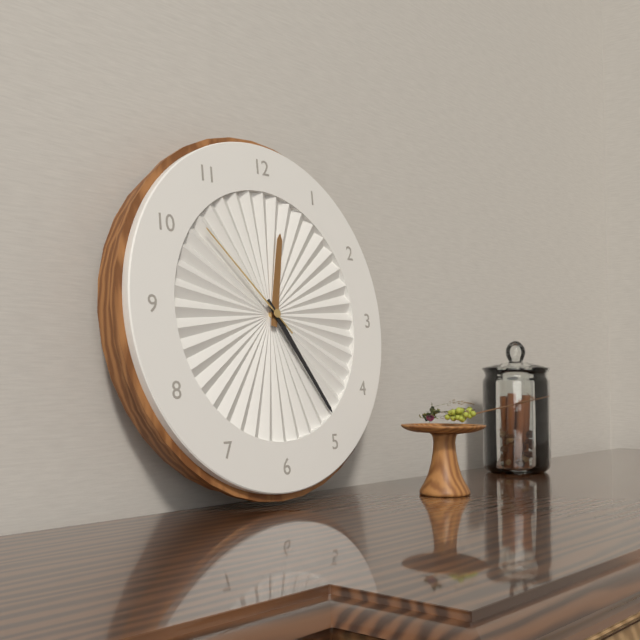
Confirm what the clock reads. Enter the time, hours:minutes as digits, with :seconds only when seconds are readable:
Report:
12:24:52
